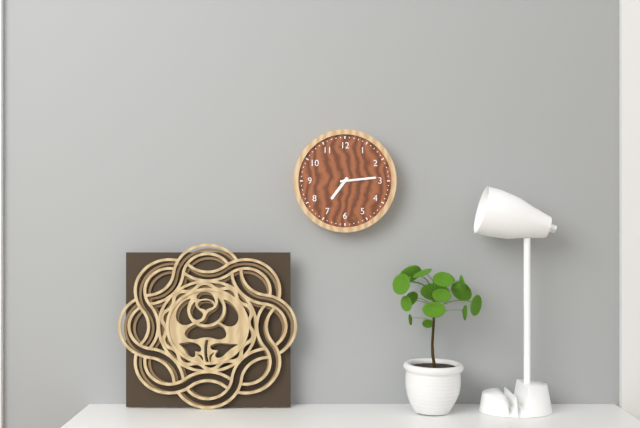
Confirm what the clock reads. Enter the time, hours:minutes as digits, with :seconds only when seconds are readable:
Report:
7:14
